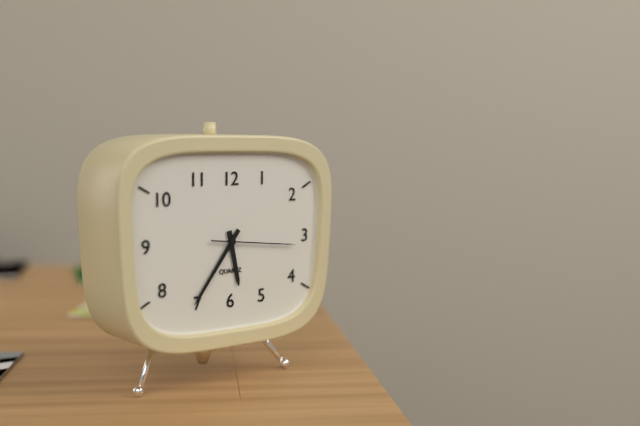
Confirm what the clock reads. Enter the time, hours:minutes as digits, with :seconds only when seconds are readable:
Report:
5:36:16
